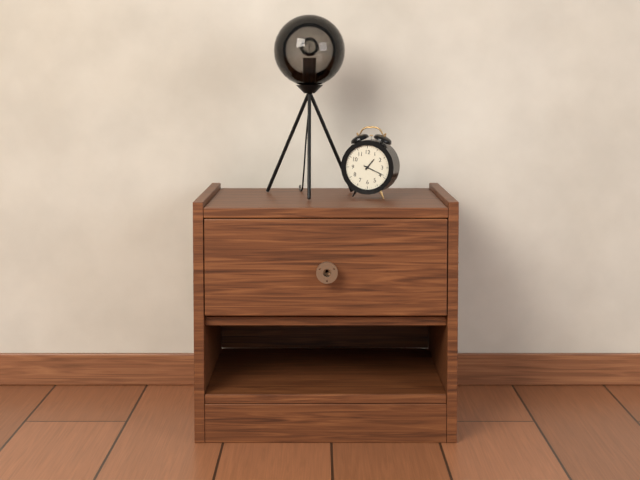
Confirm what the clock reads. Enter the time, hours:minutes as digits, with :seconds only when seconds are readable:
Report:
1:19
